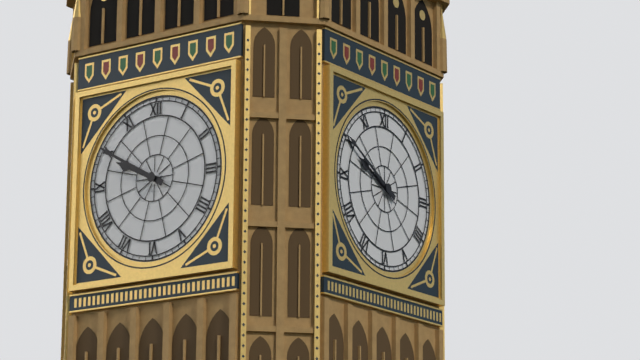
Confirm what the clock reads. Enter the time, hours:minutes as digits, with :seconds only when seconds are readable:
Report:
9:50
